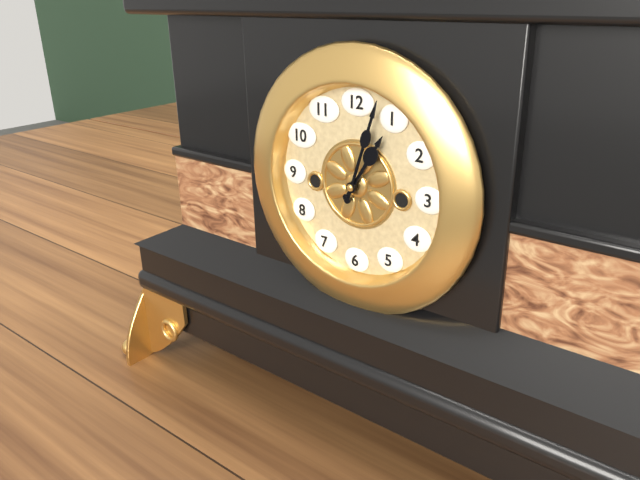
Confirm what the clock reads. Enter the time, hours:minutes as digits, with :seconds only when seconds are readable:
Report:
1:03
